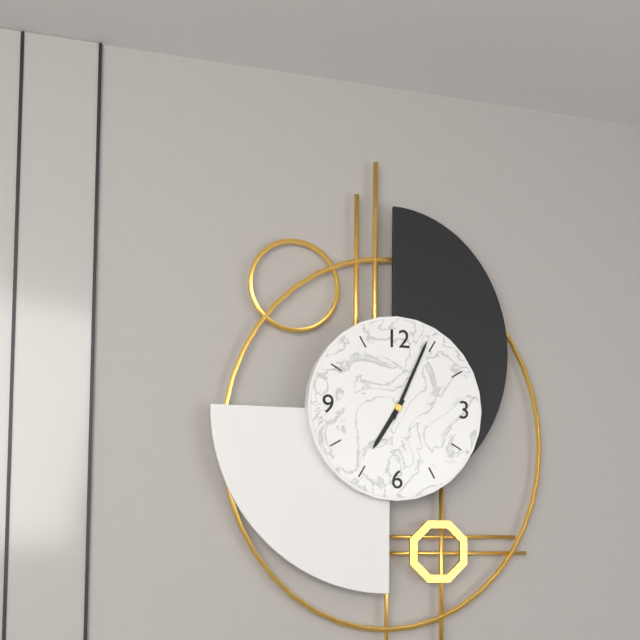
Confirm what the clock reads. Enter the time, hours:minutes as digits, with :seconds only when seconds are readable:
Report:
7:04
